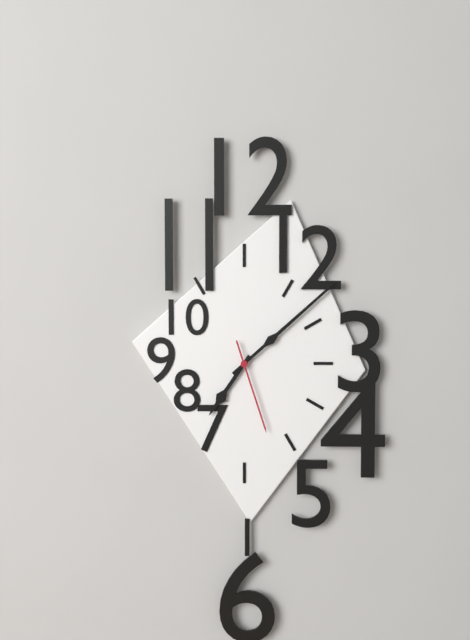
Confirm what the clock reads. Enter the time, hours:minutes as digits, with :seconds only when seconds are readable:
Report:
7:08:27
